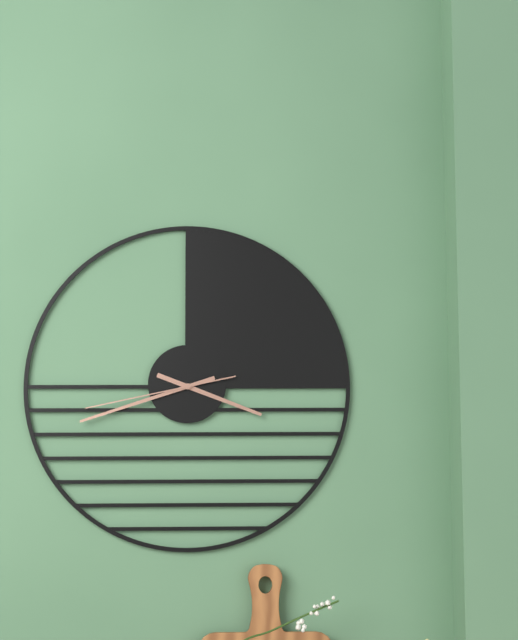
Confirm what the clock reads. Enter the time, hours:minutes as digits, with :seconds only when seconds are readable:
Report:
3:42:43
